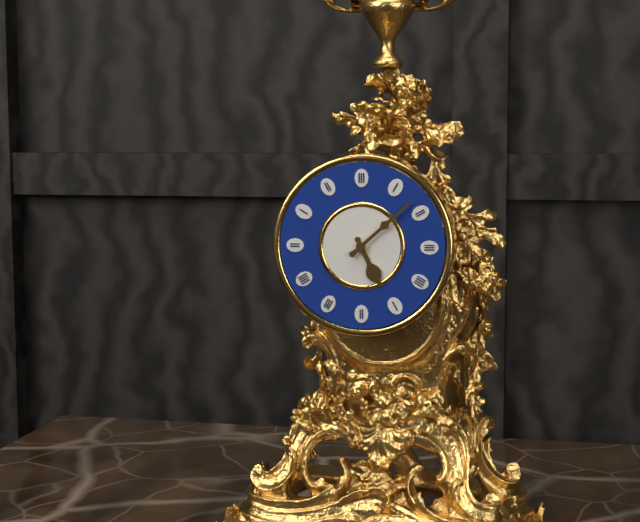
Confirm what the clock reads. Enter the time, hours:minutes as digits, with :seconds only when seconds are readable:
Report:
5:08
